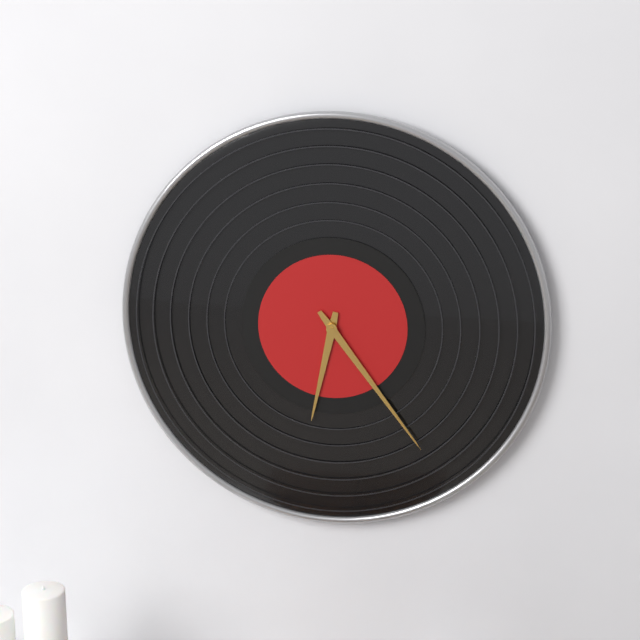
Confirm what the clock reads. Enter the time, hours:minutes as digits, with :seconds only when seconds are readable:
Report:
6:24
